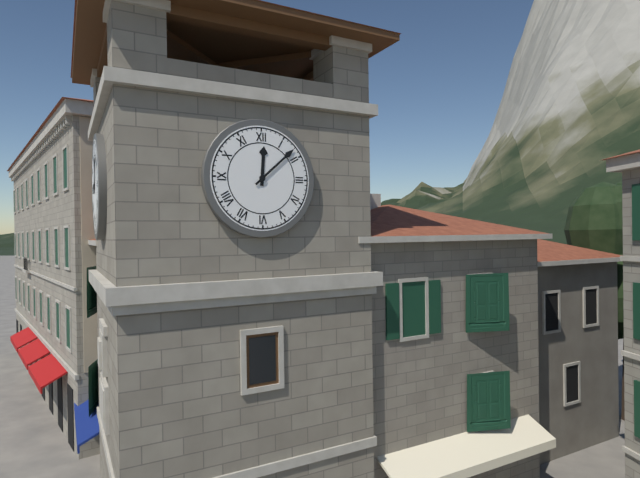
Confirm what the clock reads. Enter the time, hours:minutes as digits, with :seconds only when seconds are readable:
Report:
12:08
